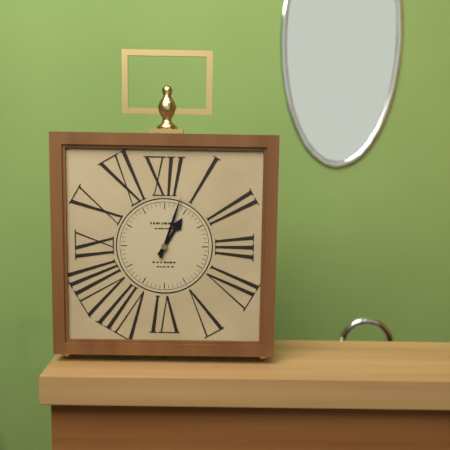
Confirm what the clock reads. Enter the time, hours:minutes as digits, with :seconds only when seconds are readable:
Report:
1:03
